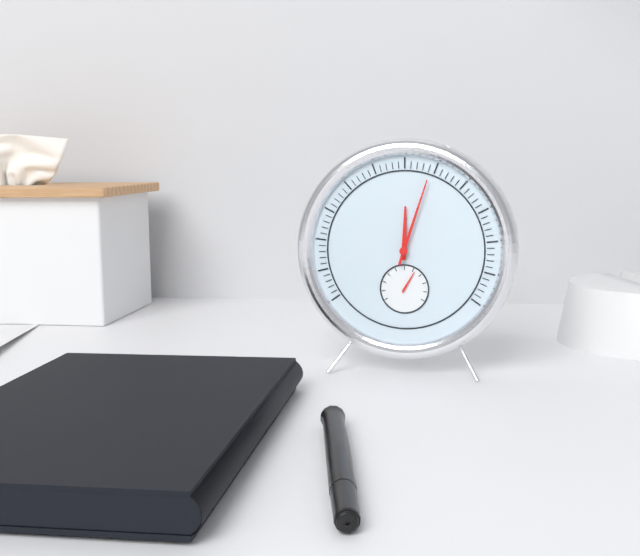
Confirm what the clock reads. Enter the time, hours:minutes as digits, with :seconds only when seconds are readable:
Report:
12:03
